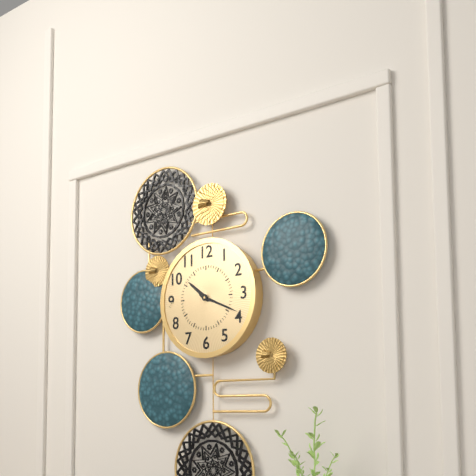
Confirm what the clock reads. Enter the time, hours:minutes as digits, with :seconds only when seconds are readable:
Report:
10:19
